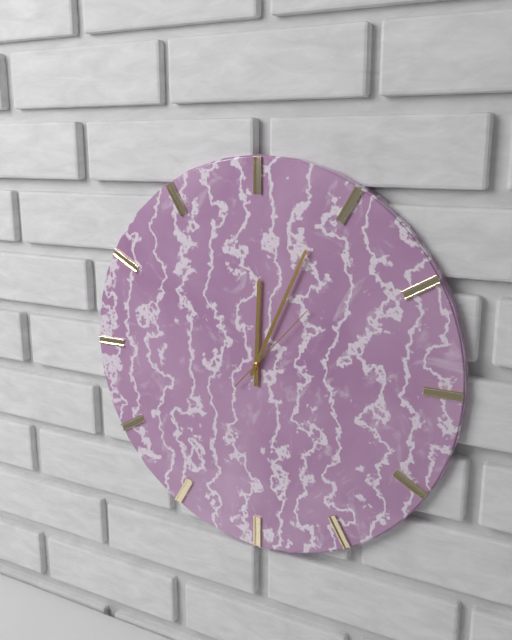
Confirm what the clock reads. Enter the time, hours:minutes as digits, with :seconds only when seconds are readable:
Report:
12:04:07
